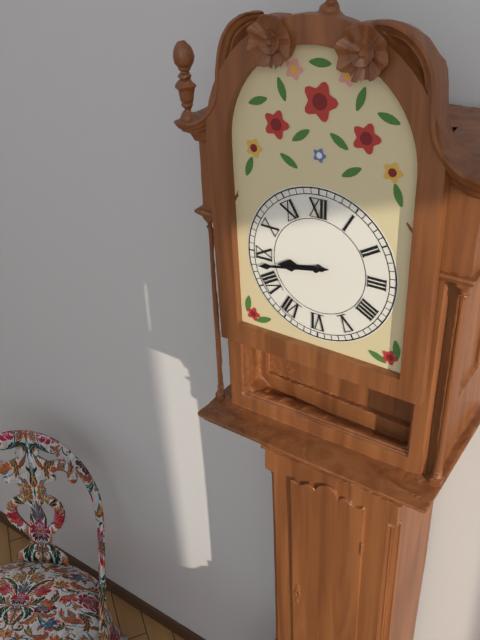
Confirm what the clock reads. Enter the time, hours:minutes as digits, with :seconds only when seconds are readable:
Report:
8:43
